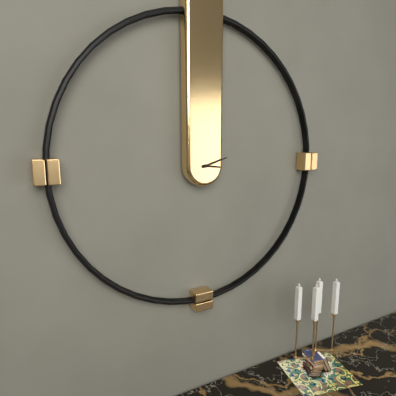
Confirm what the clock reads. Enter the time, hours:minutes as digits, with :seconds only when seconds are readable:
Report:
3:12
